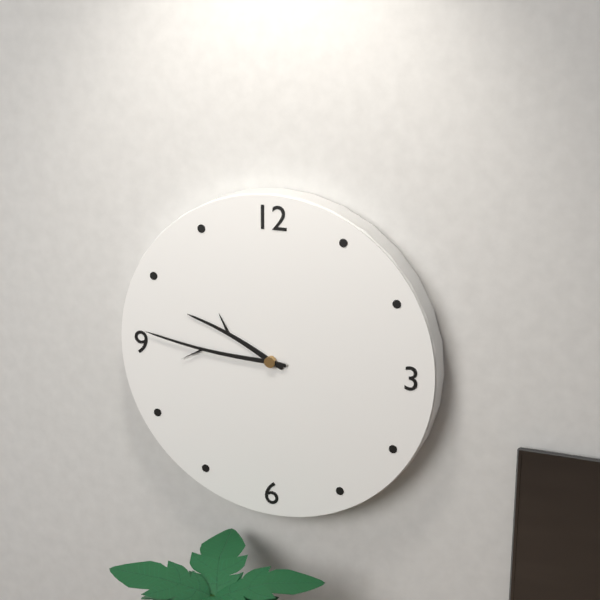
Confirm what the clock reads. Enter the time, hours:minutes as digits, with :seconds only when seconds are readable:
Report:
9:46
